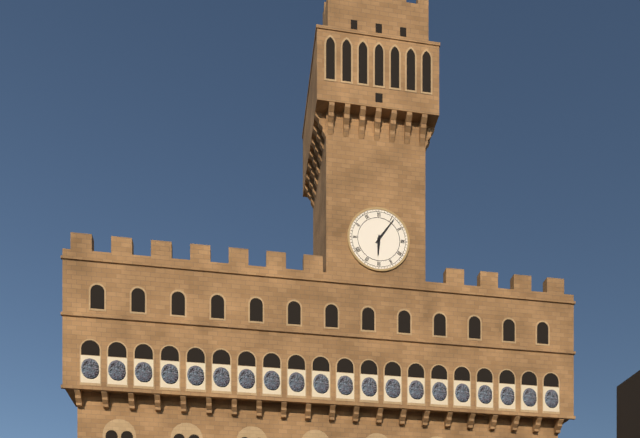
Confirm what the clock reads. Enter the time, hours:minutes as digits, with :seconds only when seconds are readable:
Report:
6:06
